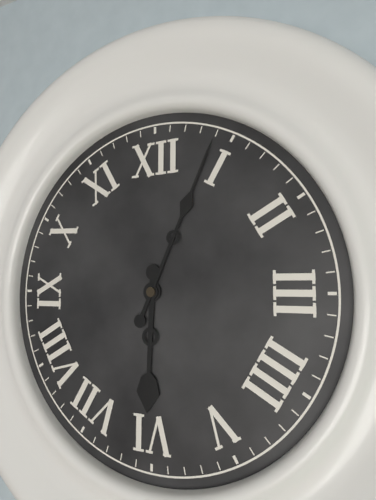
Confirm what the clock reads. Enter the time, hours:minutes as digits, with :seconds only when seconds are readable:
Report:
6:04
